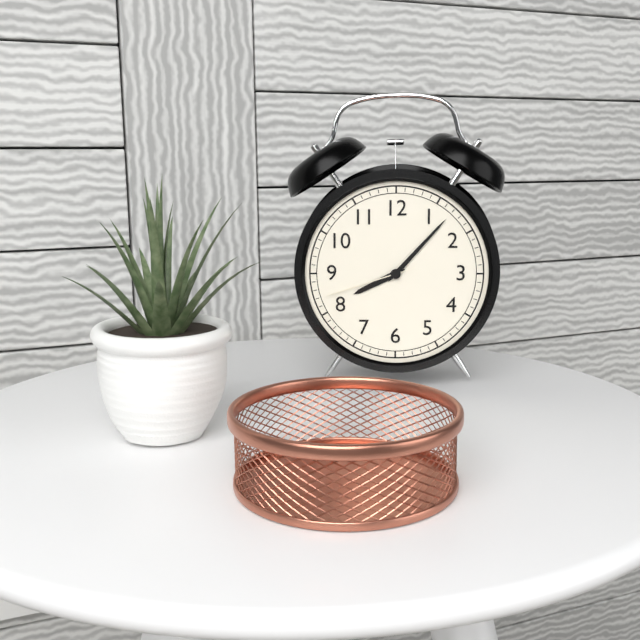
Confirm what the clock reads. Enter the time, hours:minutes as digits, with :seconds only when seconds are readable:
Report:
8:07:42
